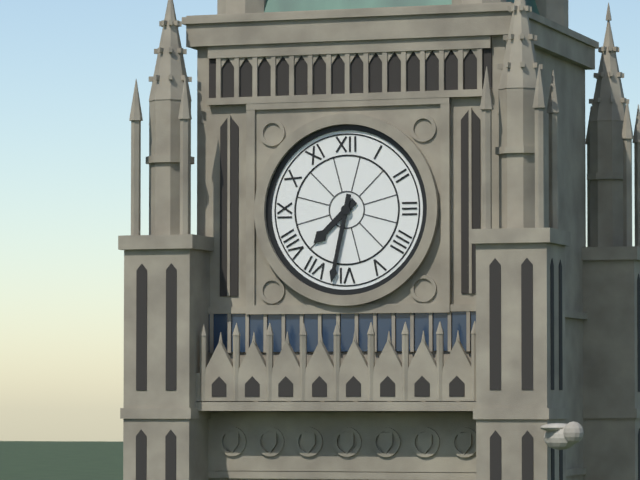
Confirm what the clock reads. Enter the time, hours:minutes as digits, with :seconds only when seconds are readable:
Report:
7:32
